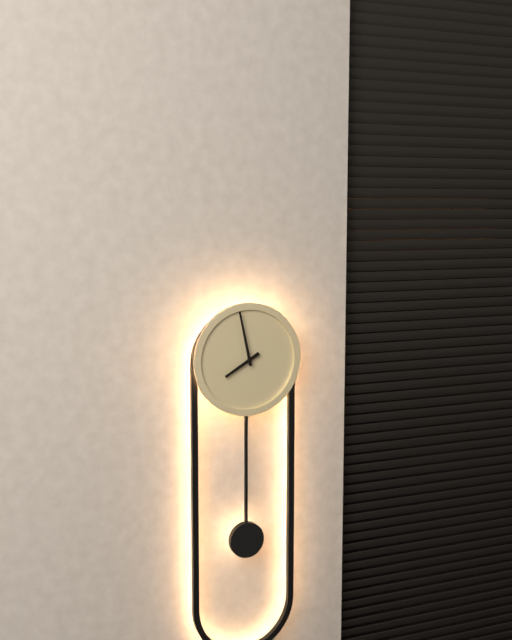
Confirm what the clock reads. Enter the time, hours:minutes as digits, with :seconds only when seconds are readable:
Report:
7:58
